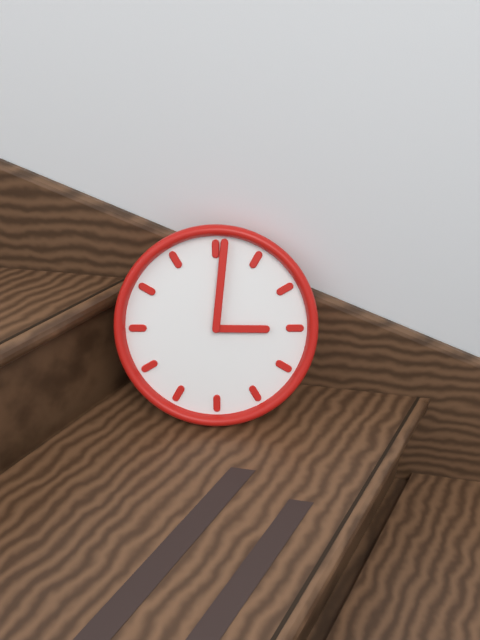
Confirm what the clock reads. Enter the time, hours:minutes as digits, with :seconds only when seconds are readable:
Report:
3:01
